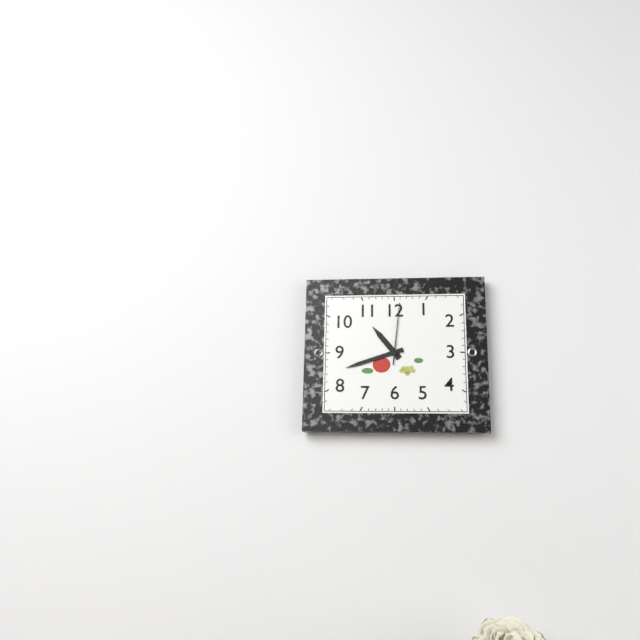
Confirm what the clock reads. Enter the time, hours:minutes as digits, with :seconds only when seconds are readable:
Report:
10:42:01
